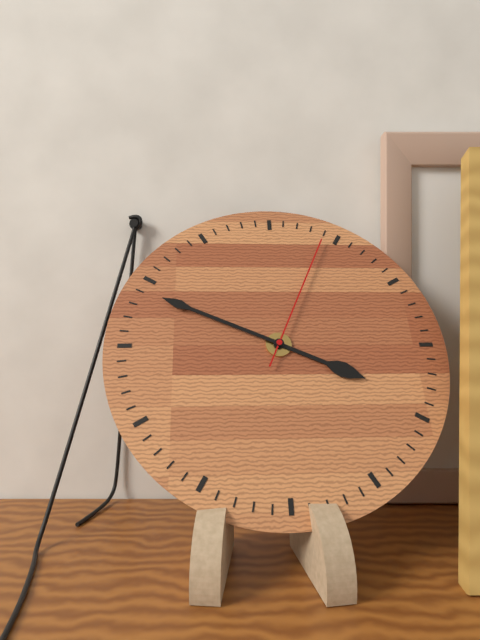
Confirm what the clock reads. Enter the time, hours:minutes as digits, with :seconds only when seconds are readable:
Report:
3:49:04
